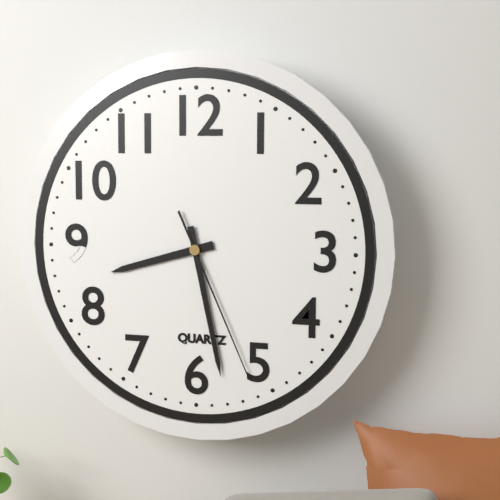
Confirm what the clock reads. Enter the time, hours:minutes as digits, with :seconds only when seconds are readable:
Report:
8:28:26
